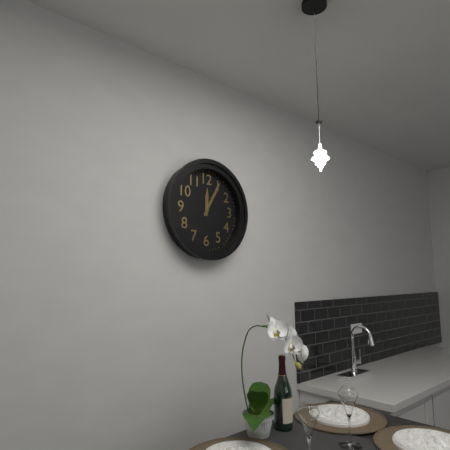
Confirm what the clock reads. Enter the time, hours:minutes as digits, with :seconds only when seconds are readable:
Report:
12:05
